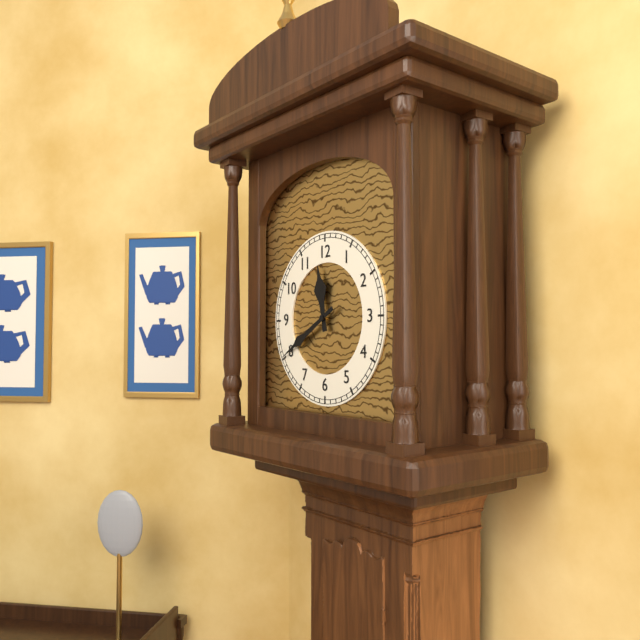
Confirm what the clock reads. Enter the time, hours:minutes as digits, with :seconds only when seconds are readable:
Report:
11:40
